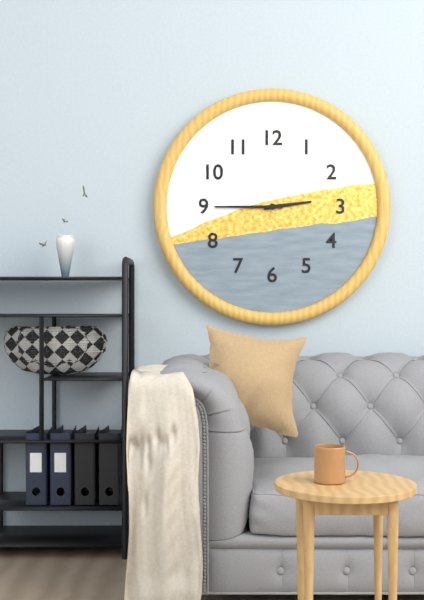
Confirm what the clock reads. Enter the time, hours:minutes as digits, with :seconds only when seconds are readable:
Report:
2:45
